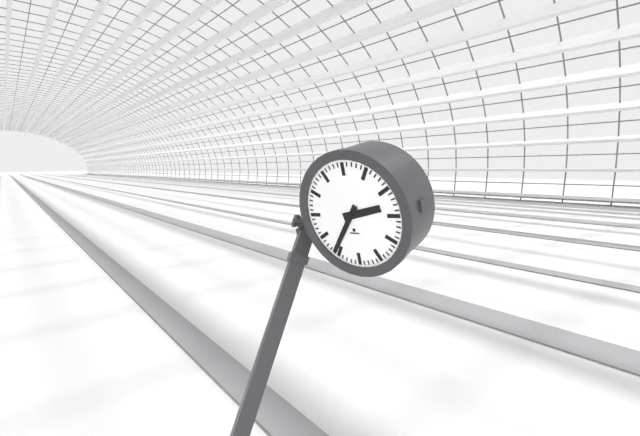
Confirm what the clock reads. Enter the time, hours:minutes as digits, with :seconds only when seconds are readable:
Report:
2:36
